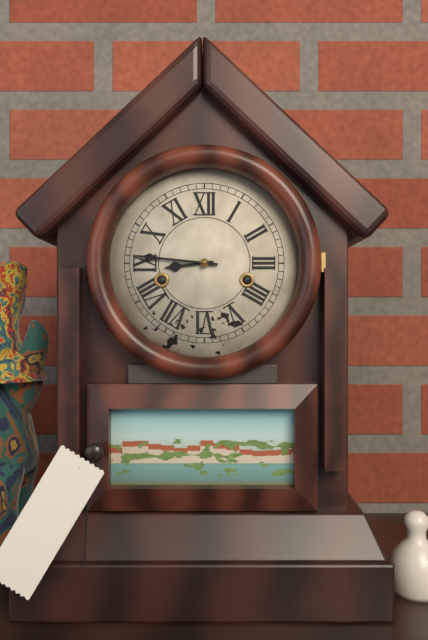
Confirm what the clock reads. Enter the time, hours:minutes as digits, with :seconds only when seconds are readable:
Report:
8:46
